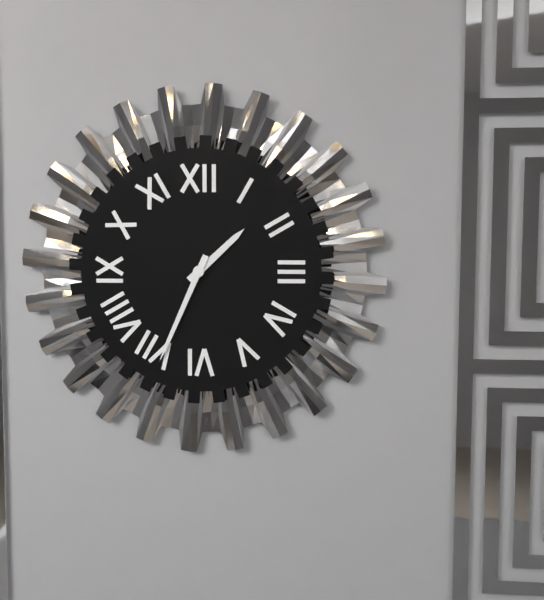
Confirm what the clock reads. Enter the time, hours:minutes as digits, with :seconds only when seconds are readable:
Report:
1:34
